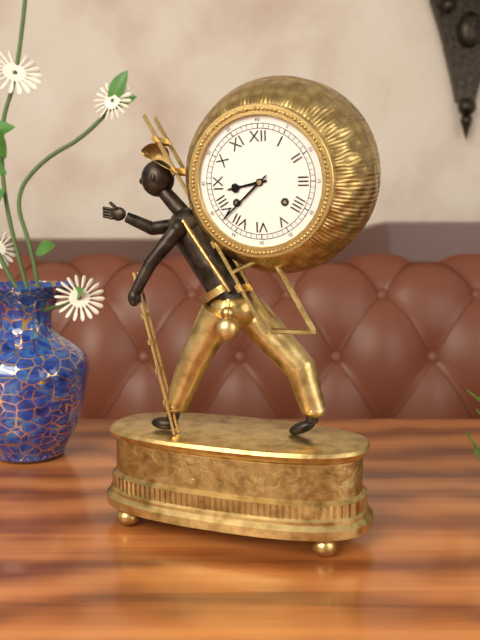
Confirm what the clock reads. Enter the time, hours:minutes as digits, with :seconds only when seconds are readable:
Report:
8:38
